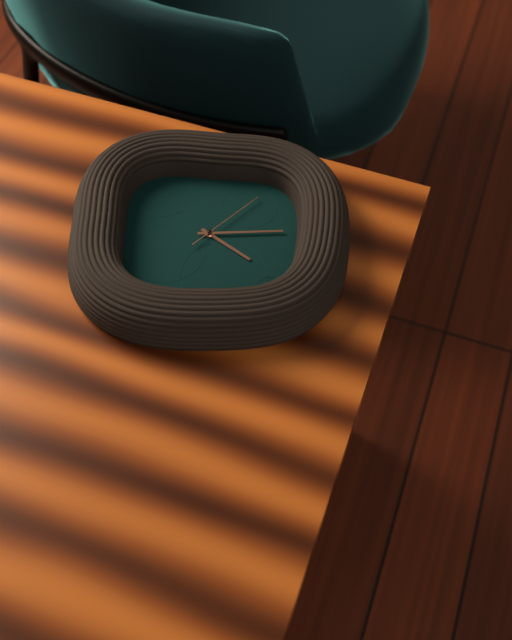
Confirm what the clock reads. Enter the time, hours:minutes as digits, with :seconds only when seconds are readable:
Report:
4:14:07
